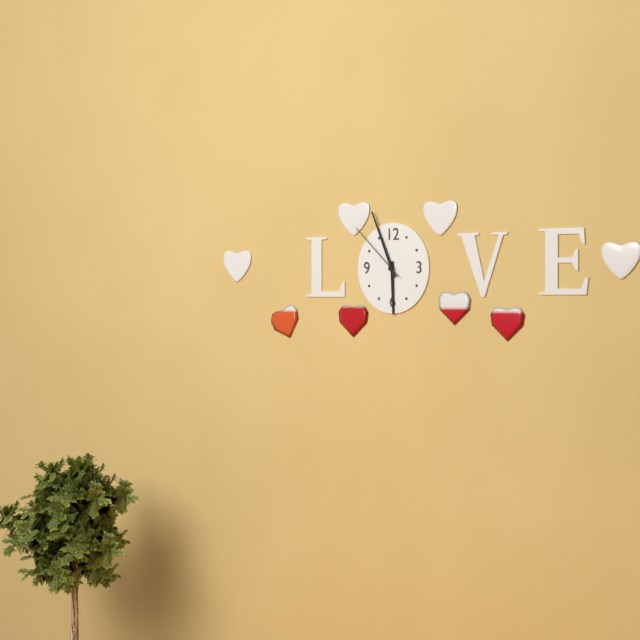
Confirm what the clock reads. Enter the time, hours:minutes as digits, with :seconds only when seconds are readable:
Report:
5:56:52
